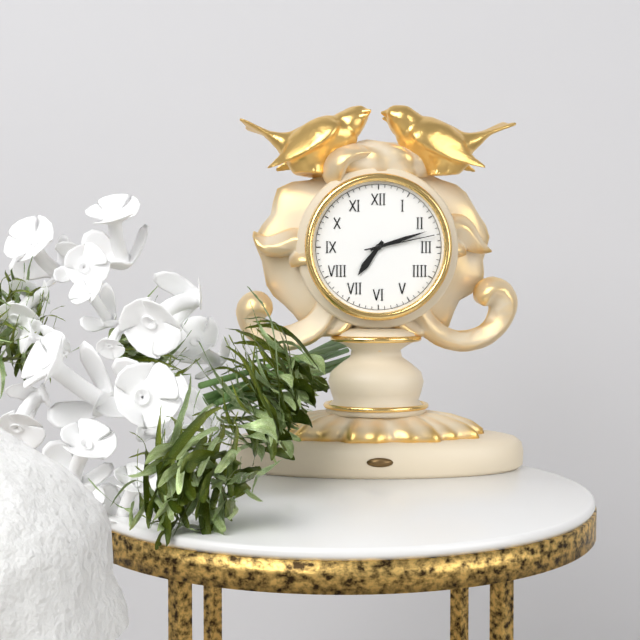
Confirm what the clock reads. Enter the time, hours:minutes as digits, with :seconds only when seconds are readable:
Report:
7:12:13
